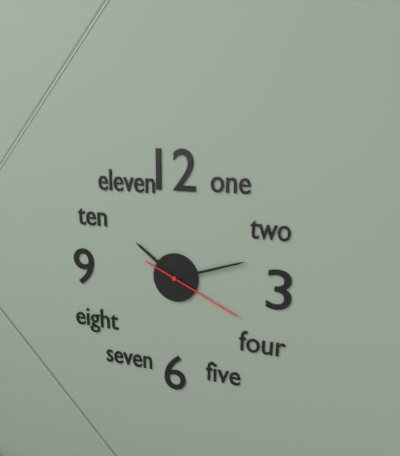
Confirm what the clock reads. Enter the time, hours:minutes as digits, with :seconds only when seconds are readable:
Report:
10:12:19
